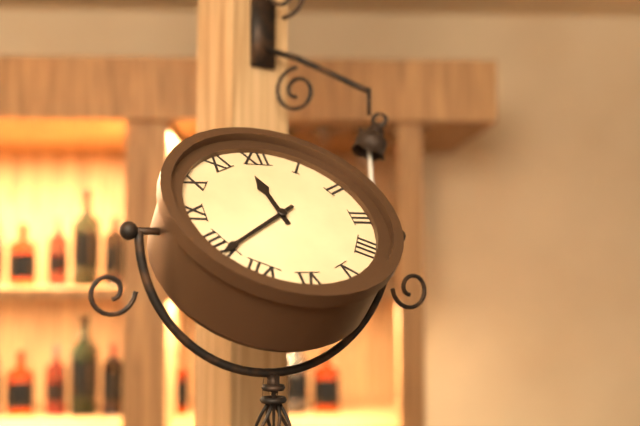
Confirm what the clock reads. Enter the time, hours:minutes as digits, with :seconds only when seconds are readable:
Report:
11:39
